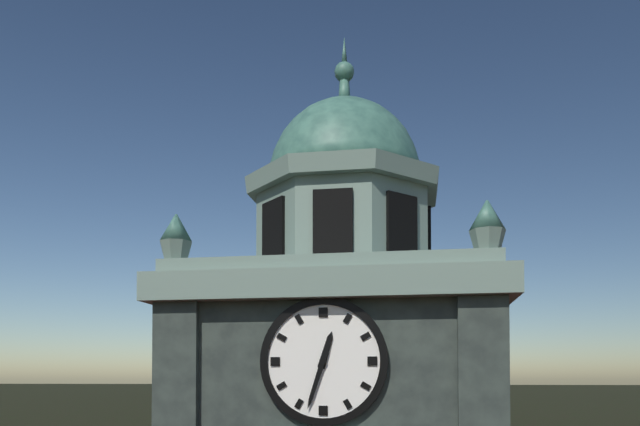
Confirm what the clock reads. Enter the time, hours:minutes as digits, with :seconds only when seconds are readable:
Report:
12:33
